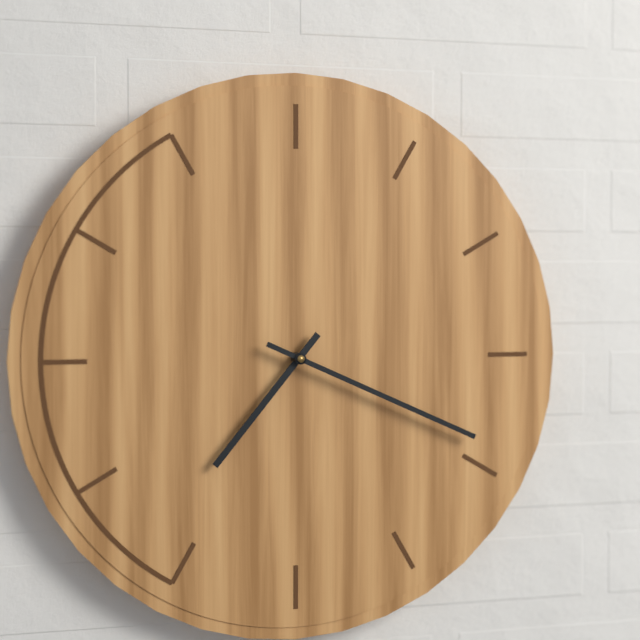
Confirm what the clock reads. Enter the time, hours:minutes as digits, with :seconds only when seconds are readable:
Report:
7:19
